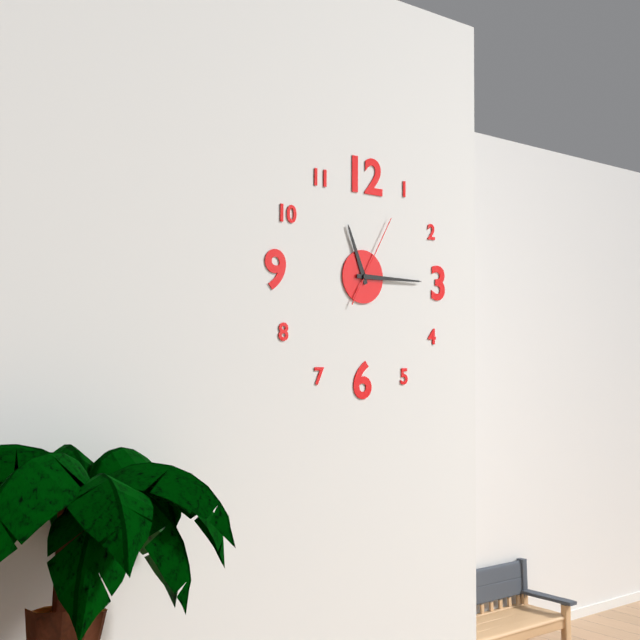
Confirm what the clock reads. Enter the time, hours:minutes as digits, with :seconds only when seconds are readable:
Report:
11:15:05
